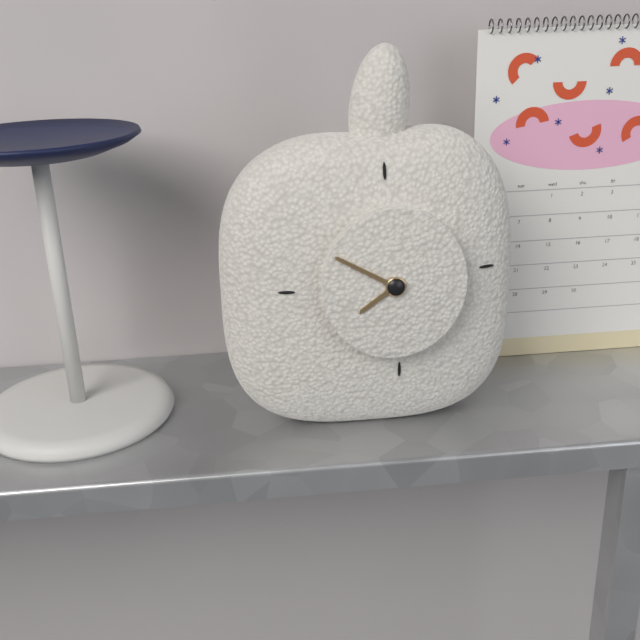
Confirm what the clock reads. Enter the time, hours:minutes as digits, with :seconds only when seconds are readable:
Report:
7:50
